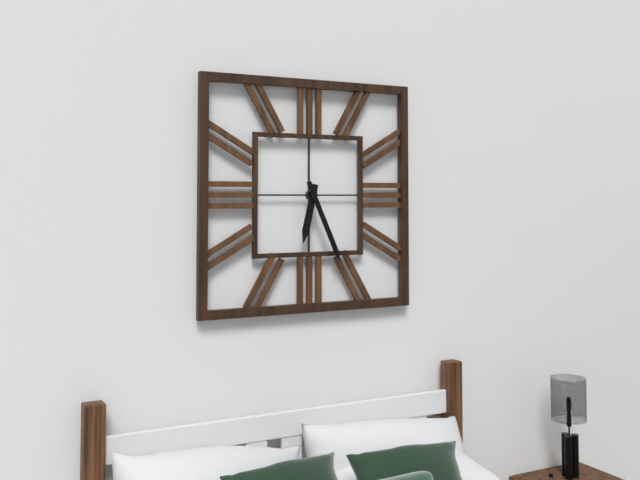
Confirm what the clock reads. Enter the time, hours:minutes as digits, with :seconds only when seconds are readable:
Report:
6:26
